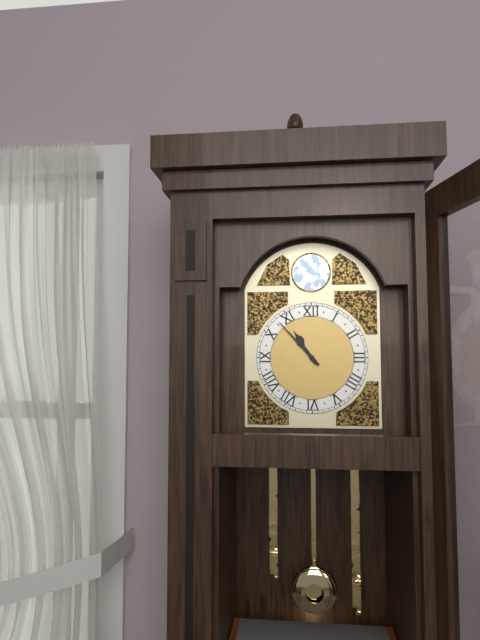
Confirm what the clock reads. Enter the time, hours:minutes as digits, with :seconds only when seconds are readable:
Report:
10:53
